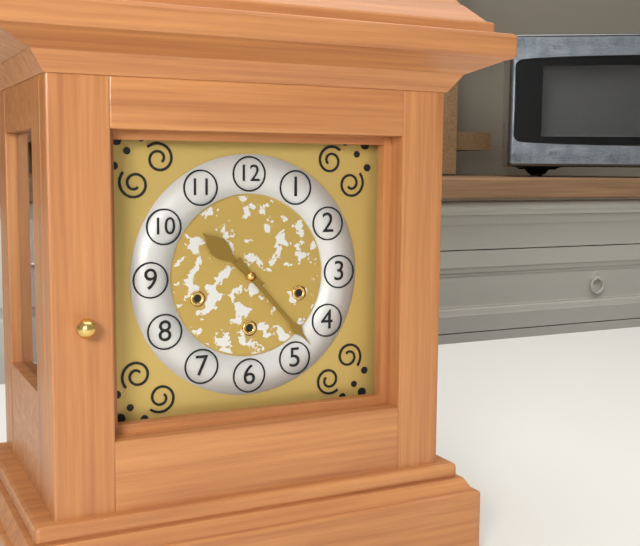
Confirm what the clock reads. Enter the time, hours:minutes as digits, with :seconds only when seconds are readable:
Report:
10:23
